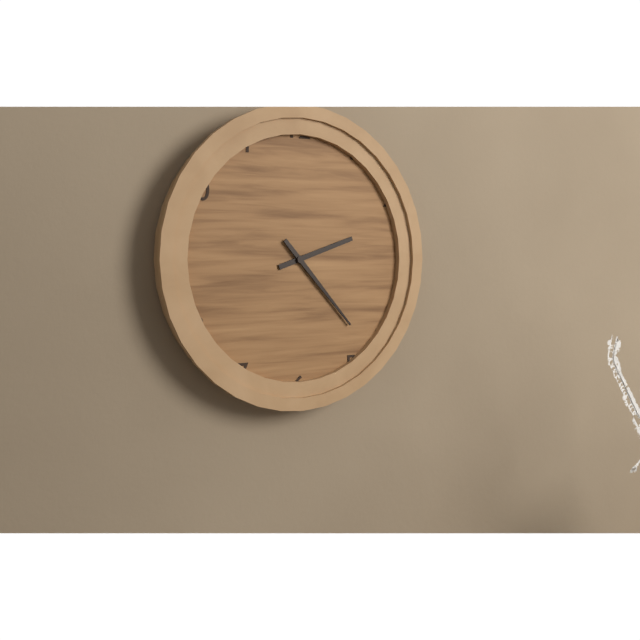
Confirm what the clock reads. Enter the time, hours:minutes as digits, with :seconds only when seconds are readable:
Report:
2:23
